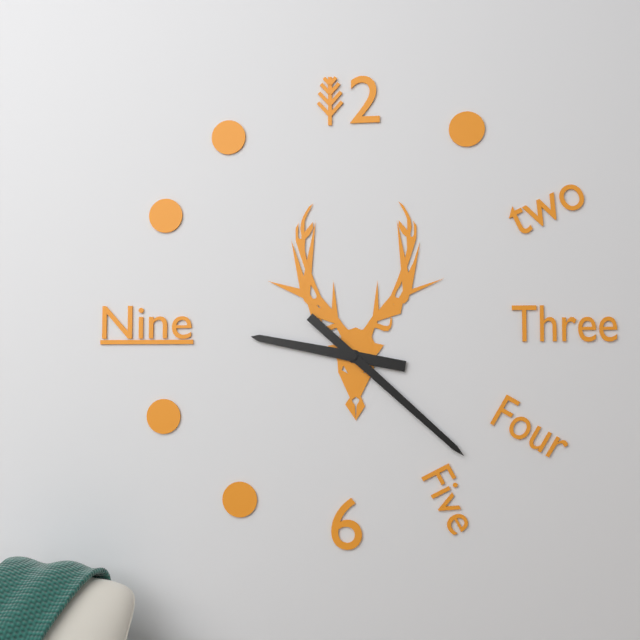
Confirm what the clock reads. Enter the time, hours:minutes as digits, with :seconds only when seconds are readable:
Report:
9:22
